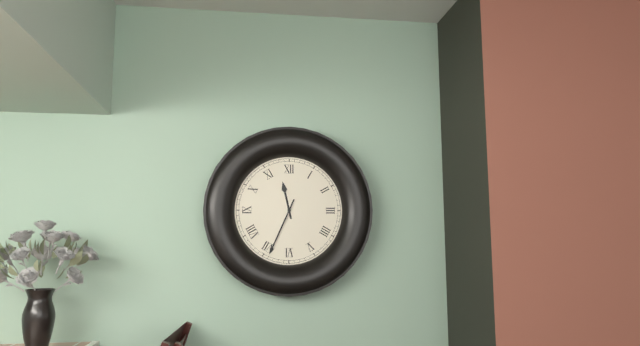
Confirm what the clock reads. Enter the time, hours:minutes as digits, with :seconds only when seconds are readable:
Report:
11:34
